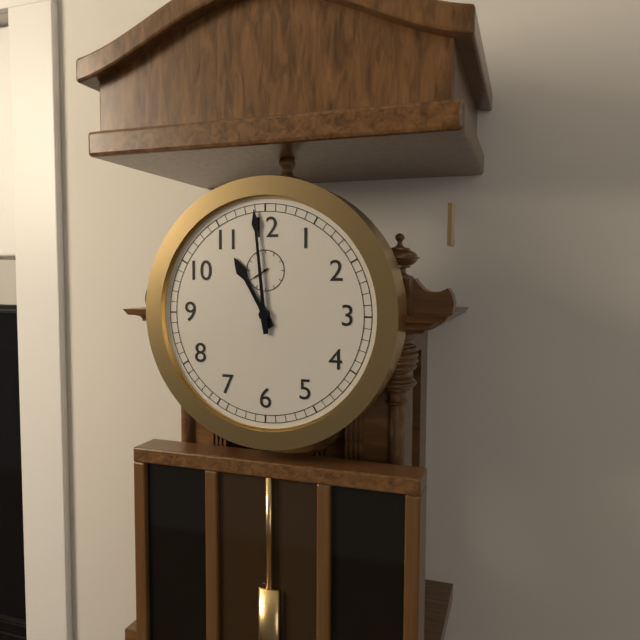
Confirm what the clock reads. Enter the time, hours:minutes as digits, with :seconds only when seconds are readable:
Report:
10:59
